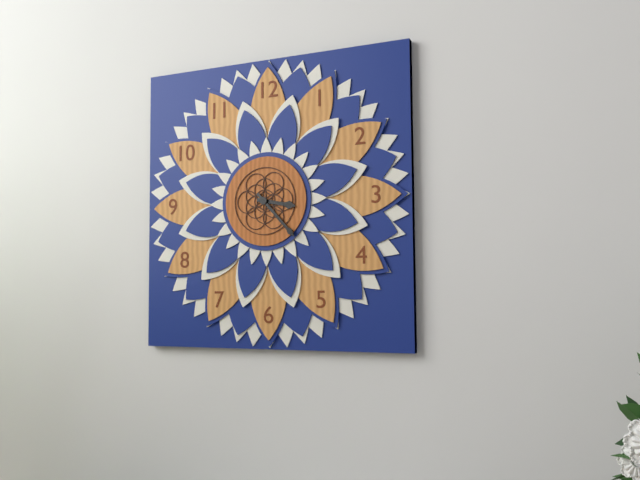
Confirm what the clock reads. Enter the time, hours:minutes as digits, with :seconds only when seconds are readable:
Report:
3:23
